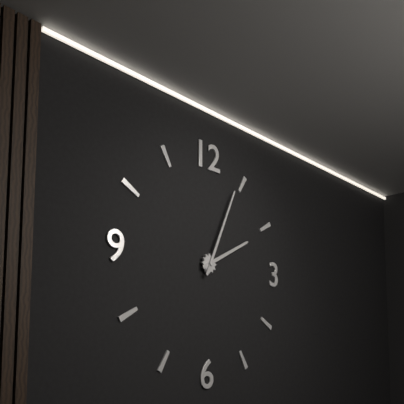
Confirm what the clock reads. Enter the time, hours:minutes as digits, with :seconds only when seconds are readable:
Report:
2:04
